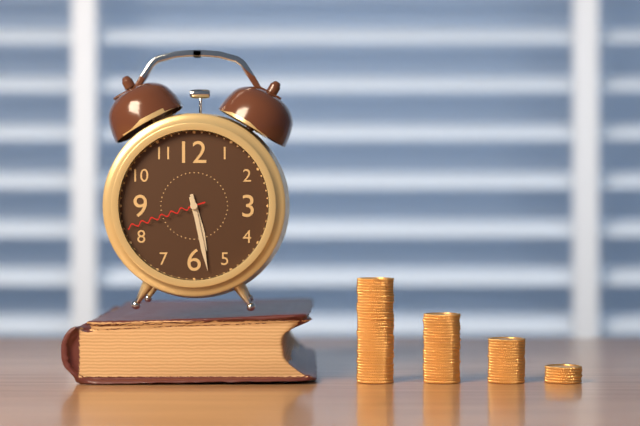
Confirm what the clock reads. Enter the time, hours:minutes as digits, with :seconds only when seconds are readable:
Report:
5:28:42
